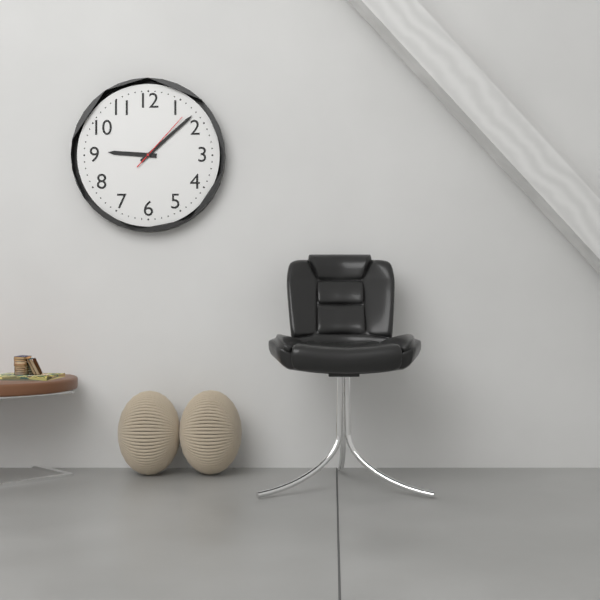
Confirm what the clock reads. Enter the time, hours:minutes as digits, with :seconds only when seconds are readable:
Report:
9:08:07
